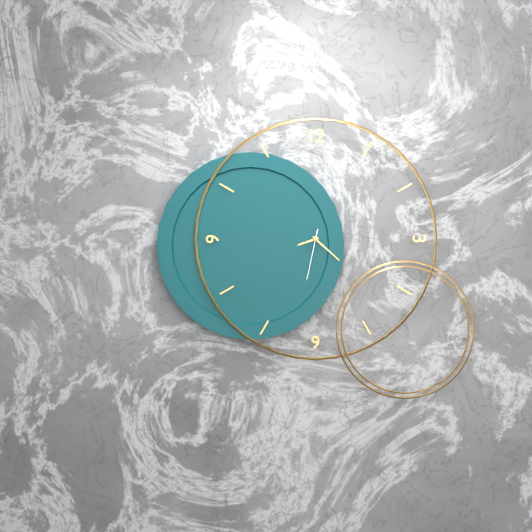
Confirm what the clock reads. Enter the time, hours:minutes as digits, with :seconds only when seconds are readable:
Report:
8:22:32
